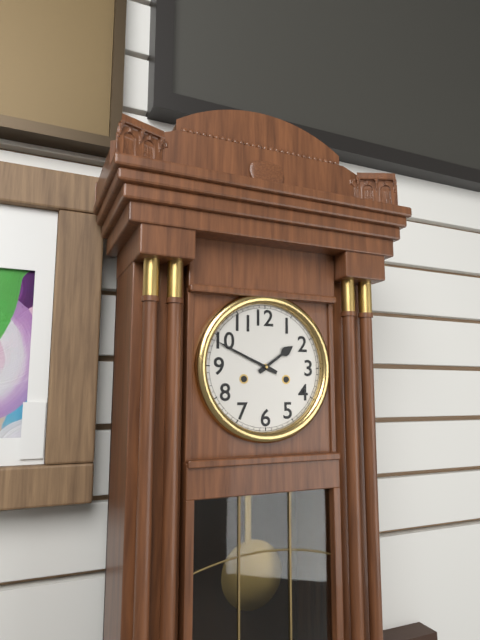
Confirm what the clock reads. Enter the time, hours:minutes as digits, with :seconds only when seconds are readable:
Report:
1:49
